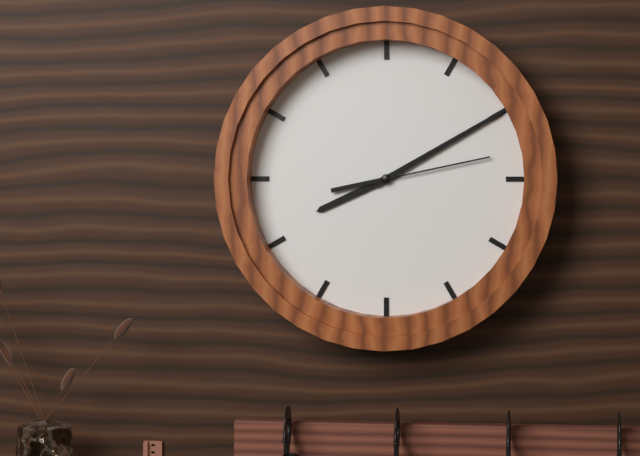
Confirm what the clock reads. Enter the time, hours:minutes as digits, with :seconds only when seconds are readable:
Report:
8:10:13
